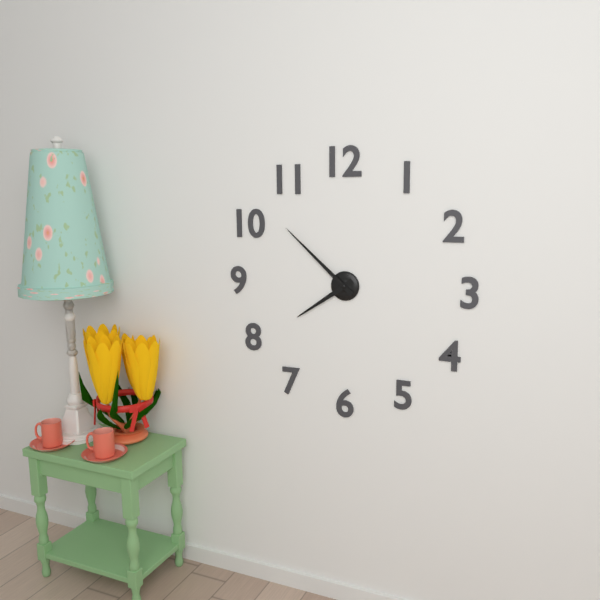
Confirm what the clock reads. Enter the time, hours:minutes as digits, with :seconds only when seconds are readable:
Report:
7:52
